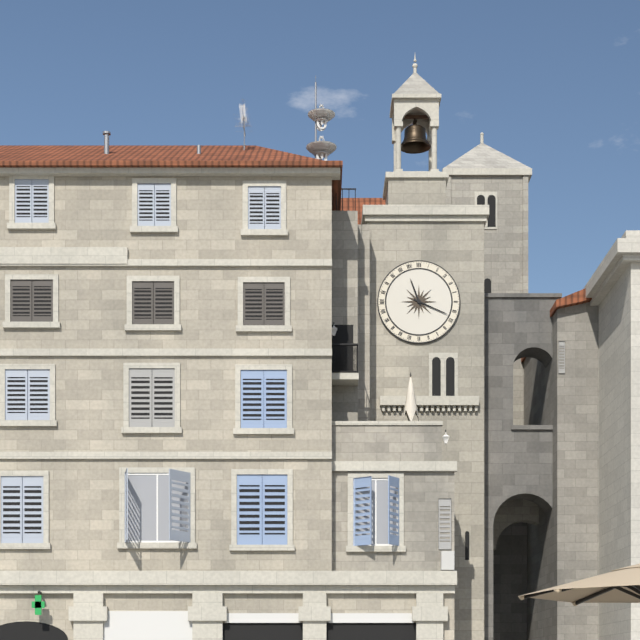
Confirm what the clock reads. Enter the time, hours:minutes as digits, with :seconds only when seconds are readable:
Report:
11:19
